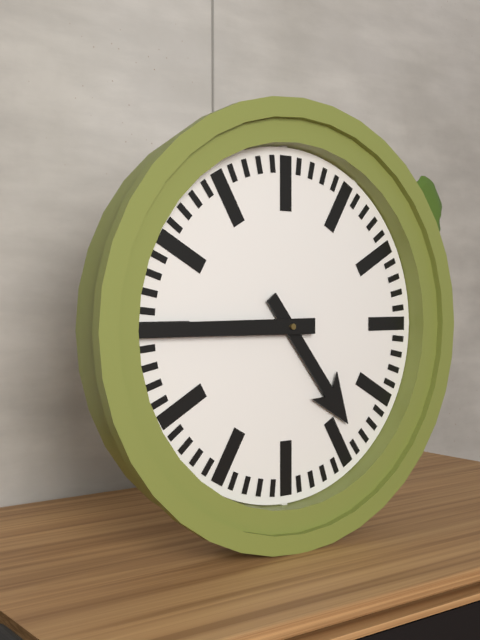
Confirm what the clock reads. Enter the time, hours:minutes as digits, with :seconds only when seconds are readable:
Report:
4:45
